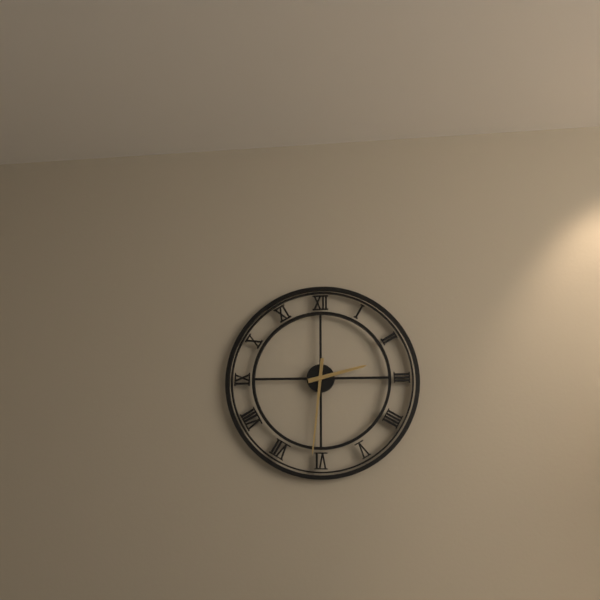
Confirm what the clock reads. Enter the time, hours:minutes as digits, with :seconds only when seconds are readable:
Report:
2:31
